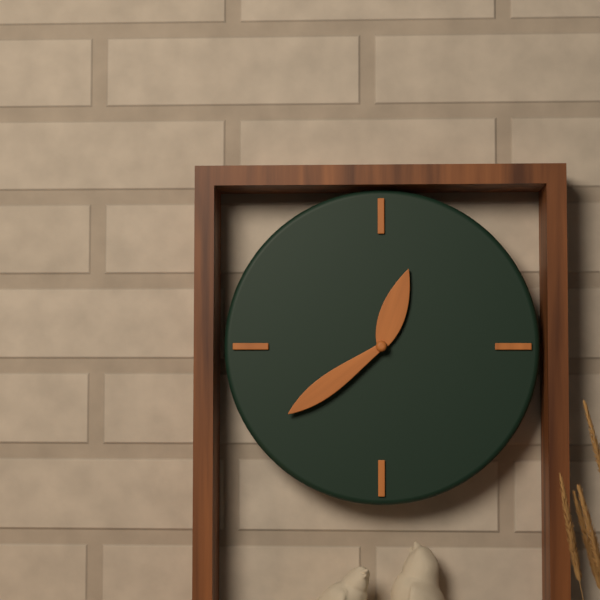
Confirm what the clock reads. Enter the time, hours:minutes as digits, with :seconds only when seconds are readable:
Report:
12:39
